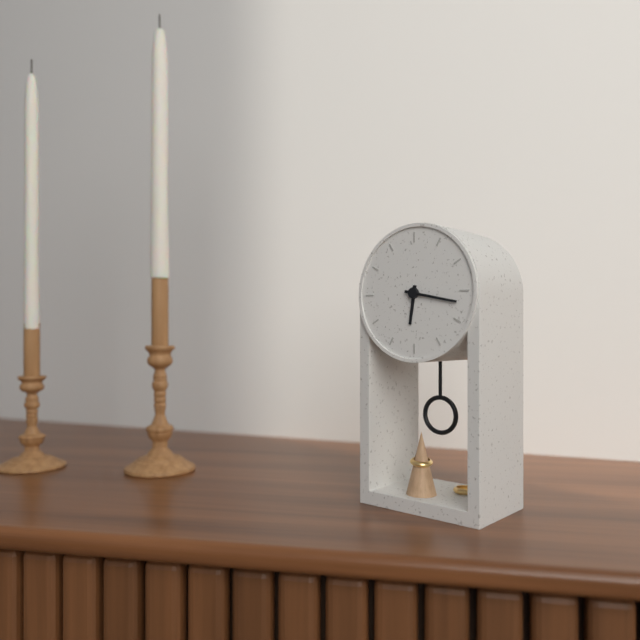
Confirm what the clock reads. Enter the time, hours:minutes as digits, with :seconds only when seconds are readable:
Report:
6:17
